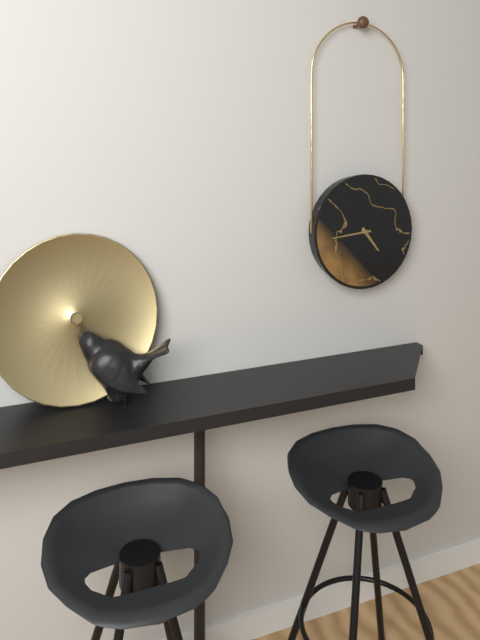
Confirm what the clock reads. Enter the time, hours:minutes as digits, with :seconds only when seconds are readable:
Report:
4:44
